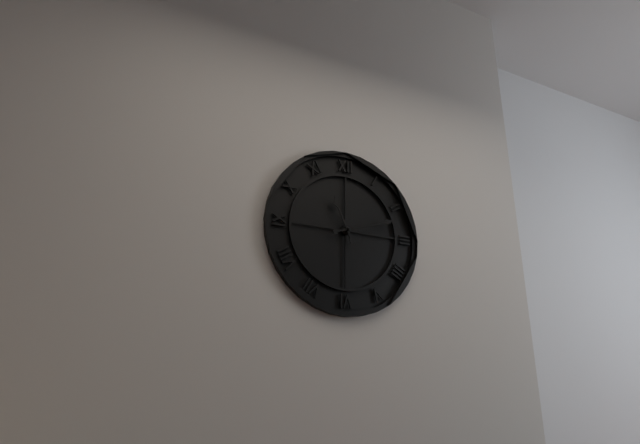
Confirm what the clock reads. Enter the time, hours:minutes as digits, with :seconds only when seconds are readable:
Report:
11:12
